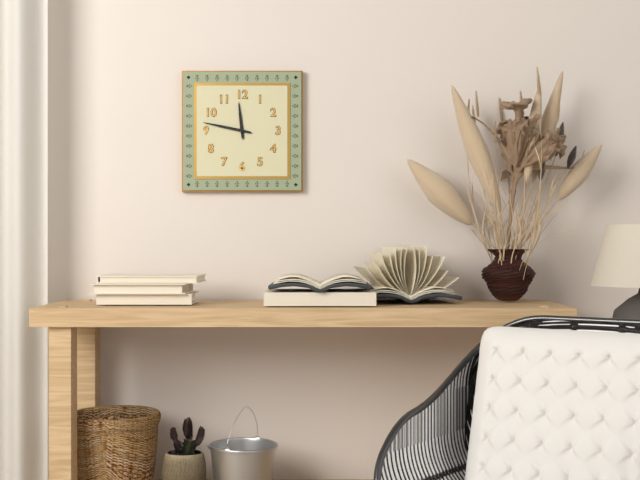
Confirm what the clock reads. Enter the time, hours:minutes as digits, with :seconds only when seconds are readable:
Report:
11:47
